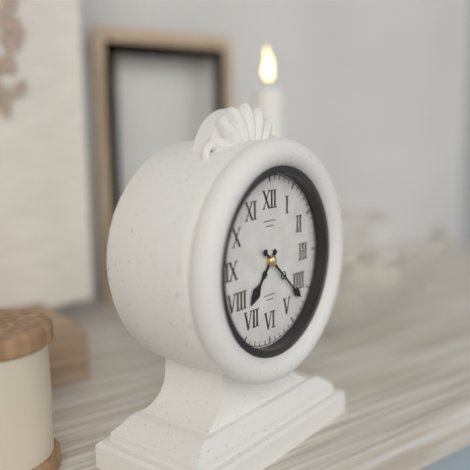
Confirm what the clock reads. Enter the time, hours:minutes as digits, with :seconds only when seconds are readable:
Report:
7:22
